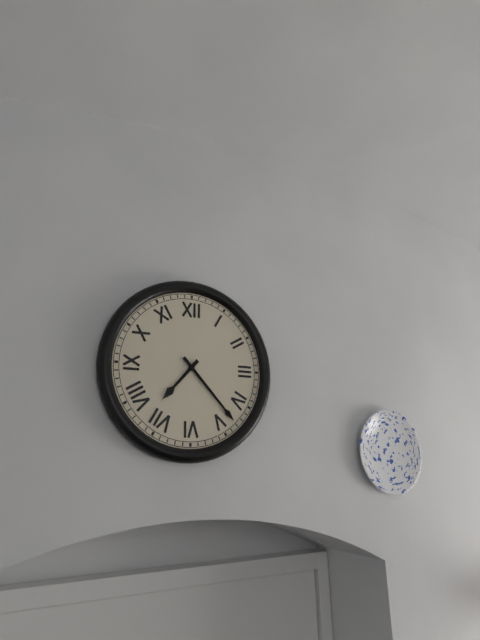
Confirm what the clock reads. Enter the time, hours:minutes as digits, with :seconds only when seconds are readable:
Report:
7:23
